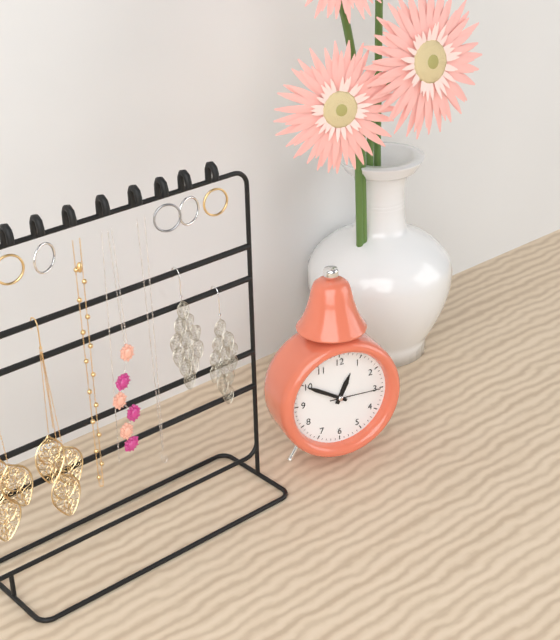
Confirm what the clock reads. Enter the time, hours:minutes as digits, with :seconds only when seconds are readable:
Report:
12:50:15
